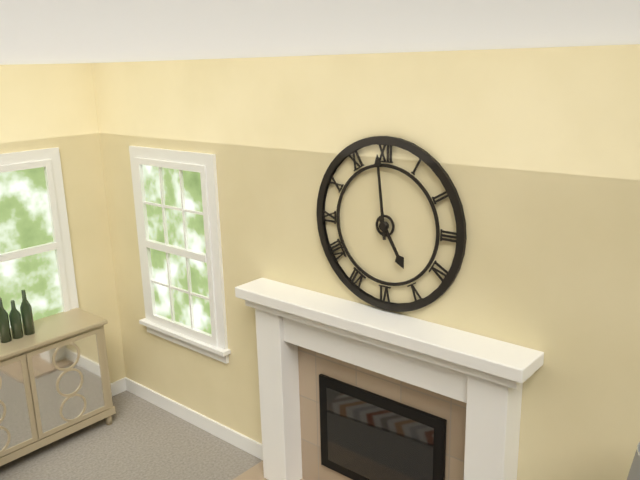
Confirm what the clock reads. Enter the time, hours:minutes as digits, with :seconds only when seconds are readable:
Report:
4:59
